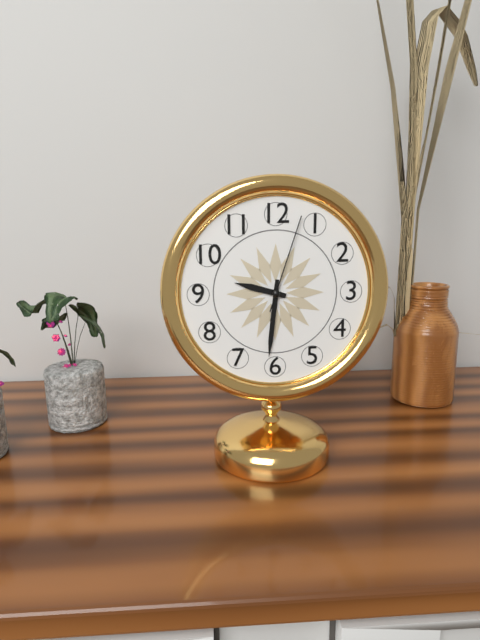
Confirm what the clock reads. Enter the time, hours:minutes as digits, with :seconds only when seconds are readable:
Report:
9:31:03
